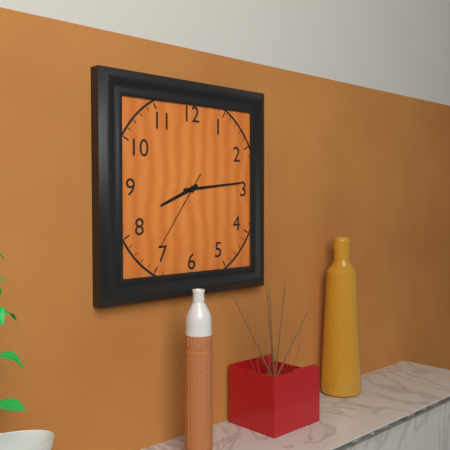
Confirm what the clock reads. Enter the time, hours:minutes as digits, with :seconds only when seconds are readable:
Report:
8:14:36
